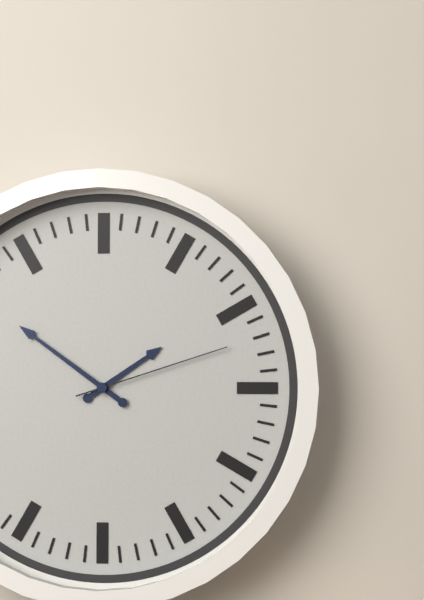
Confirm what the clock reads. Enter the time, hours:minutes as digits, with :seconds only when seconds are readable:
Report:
1:51:12
